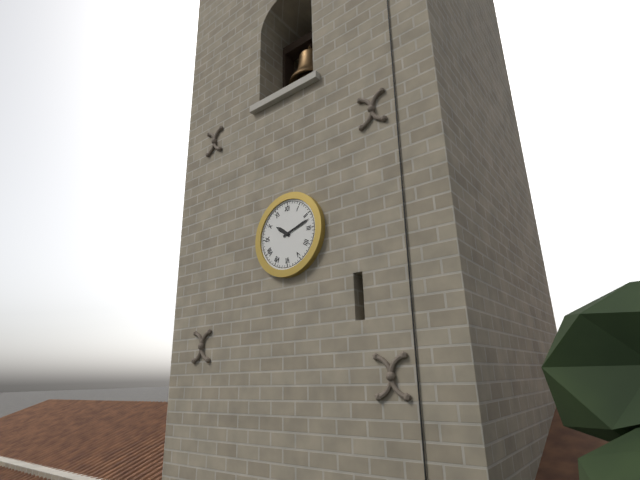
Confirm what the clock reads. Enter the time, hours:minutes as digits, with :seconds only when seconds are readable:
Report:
10:12
